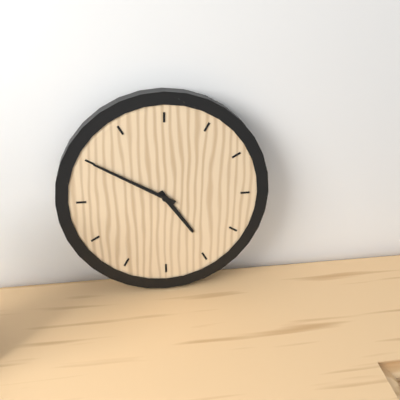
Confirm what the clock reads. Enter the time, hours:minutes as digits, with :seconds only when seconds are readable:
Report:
4:50
